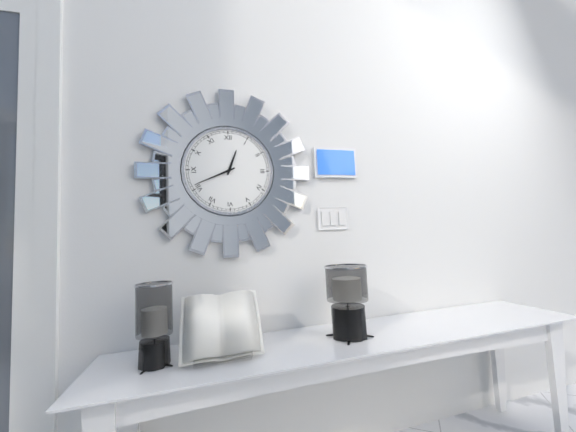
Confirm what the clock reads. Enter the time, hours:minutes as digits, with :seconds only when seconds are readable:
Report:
12:41
